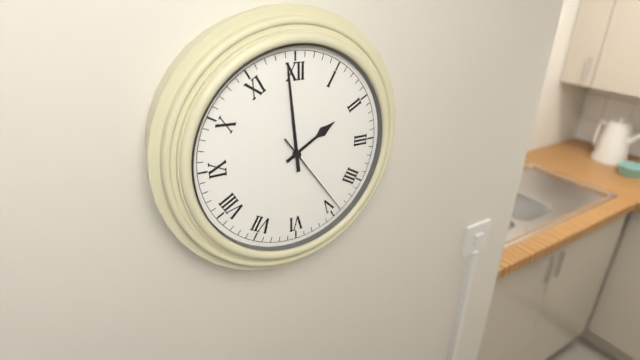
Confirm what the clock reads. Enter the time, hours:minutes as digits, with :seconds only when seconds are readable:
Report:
1:59:24
